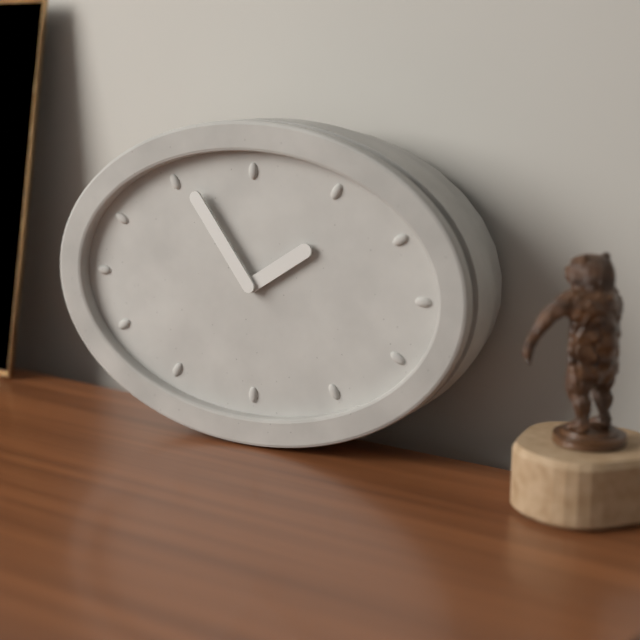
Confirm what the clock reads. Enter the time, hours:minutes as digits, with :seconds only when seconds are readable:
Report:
1:54
